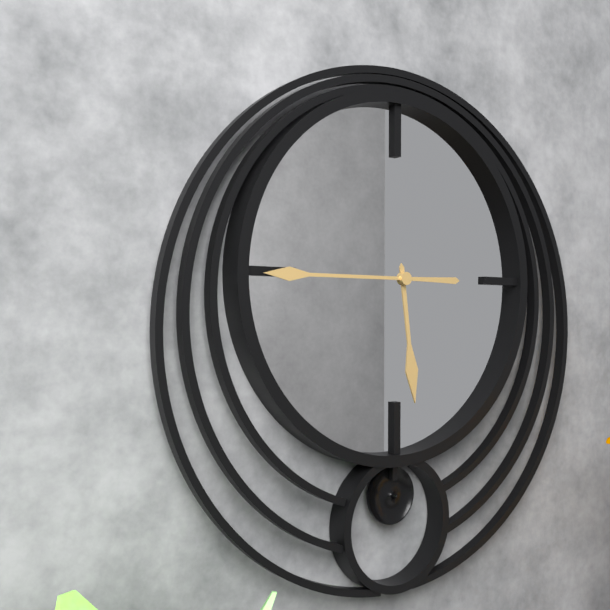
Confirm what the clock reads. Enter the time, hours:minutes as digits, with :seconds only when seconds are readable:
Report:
5:45
